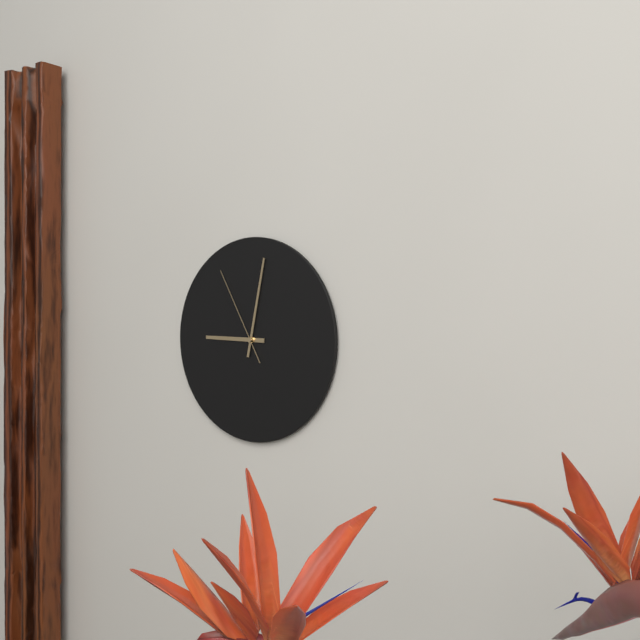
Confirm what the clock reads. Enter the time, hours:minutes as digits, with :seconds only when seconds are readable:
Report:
9:02:55
